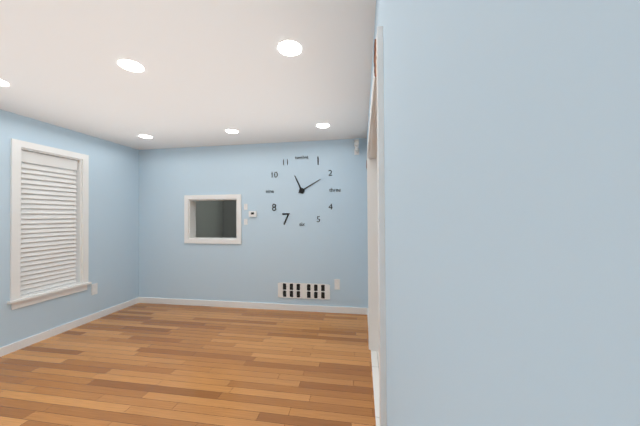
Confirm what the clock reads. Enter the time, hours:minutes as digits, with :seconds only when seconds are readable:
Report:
11:10
